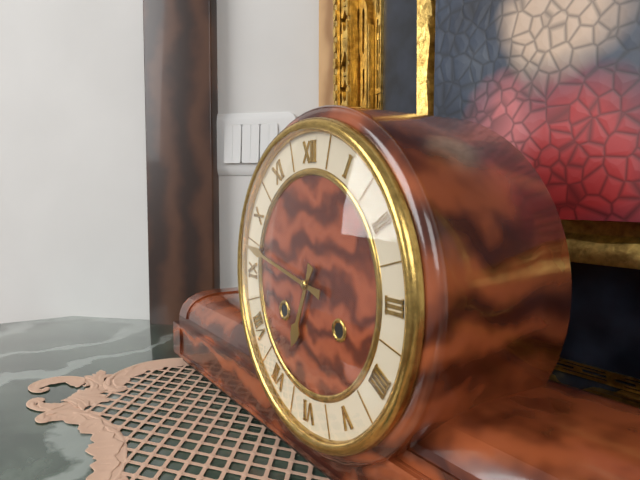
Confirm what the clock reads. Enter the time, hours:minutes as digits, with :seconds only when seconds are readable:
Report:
6:47
